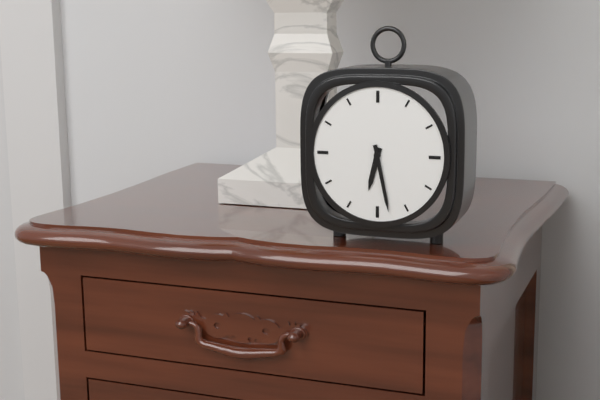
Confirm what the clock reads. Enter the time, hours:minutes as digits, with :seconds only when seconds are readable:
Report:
6:28
